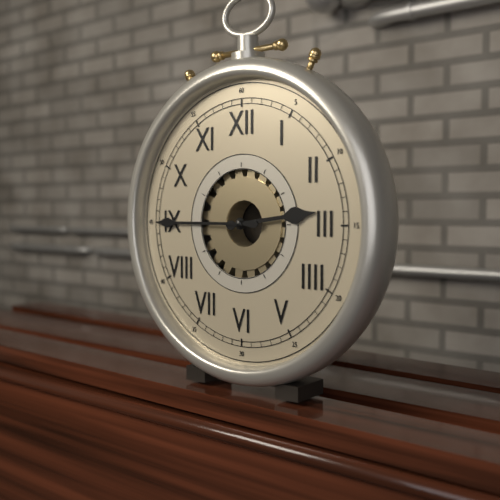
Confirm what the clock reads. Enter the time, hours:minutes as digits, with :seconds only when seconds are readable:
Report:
2:45
